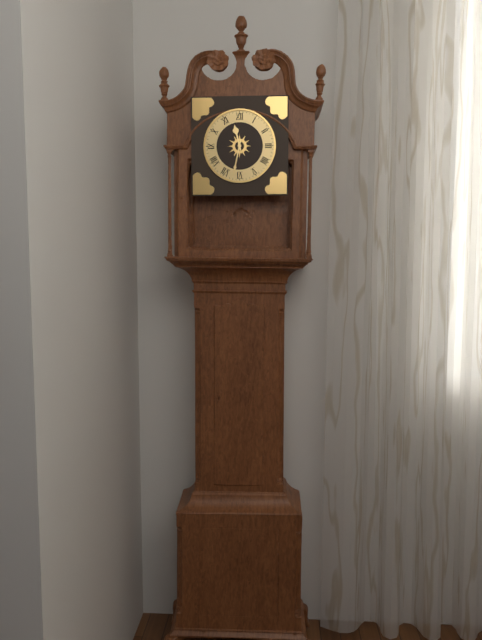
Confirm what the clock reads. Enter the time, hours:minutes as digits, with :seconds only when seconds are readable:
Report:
11:32
